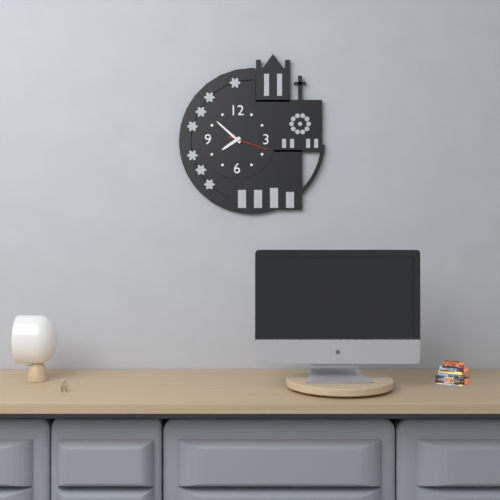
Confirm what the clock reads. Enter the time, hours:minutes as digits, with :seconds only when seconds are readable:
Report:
7:52
